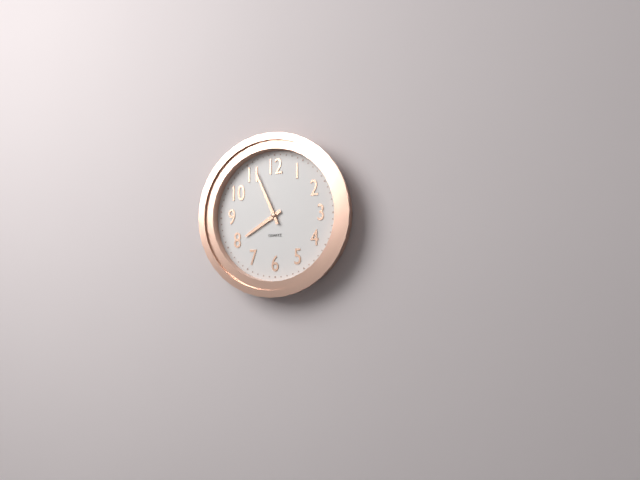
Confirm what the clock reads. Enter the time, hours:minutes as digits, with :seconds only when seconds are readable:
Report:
7:56
